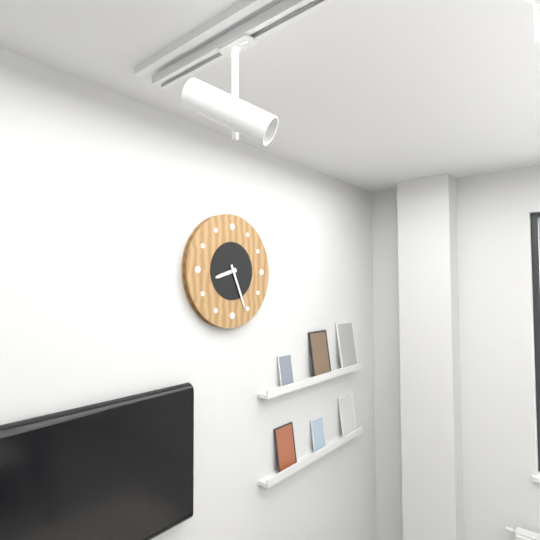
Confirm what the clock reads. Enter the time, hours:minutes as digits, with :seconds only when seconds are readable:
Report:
8:26
